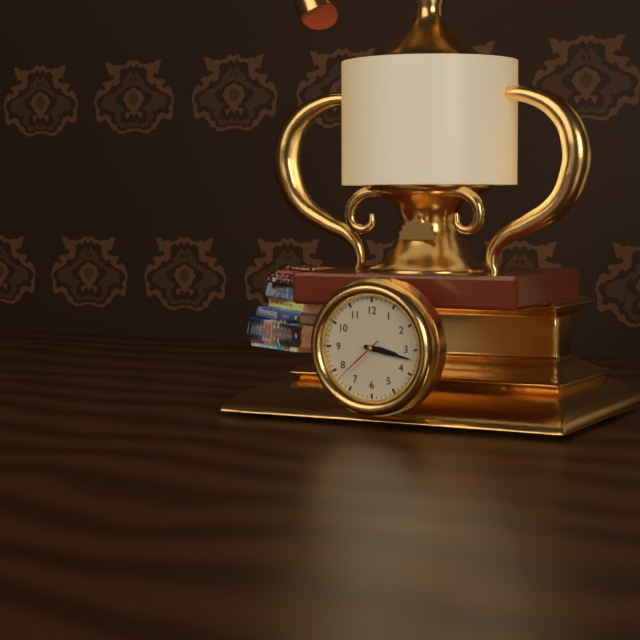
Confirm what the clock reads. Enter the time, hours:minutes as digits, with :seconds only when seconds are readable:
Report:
3:17:38
